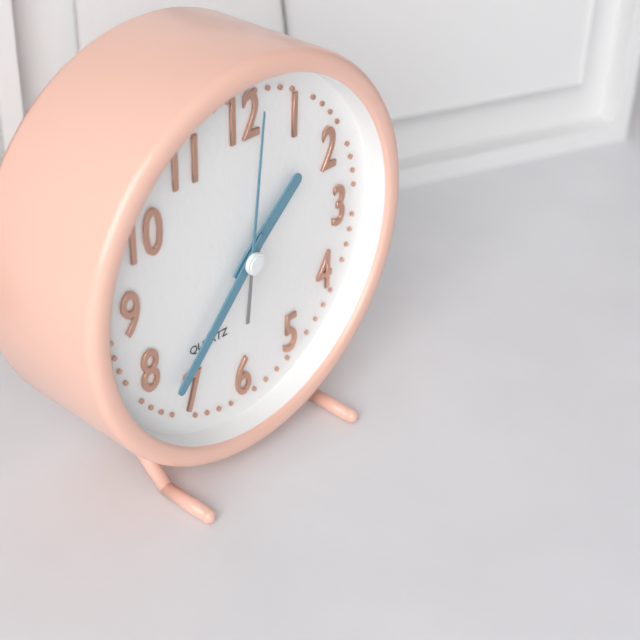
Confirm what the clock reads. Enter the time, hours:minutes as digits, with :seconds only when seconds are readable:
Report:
1:37:01
